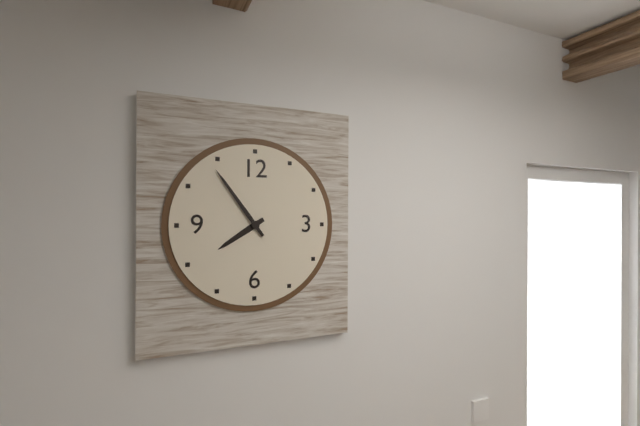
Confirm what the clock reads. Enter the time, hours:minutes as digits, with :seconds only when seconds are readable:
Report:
7:54
